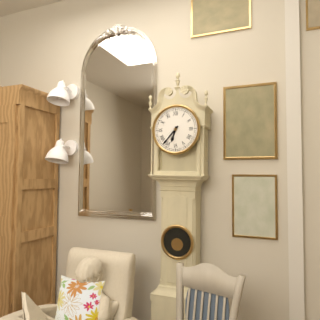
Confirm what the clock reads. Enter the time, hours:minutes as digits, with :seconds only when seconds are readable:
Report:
6:37
